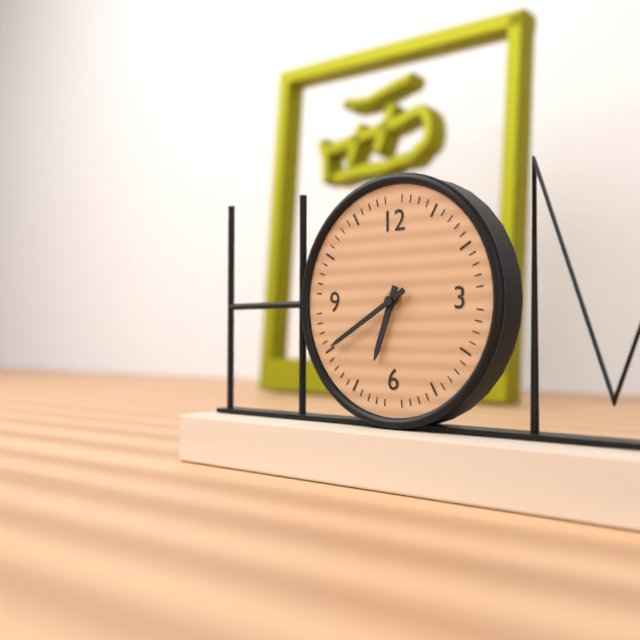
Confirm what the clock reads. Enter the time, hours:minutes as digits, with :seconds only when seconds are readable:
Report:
6:40
